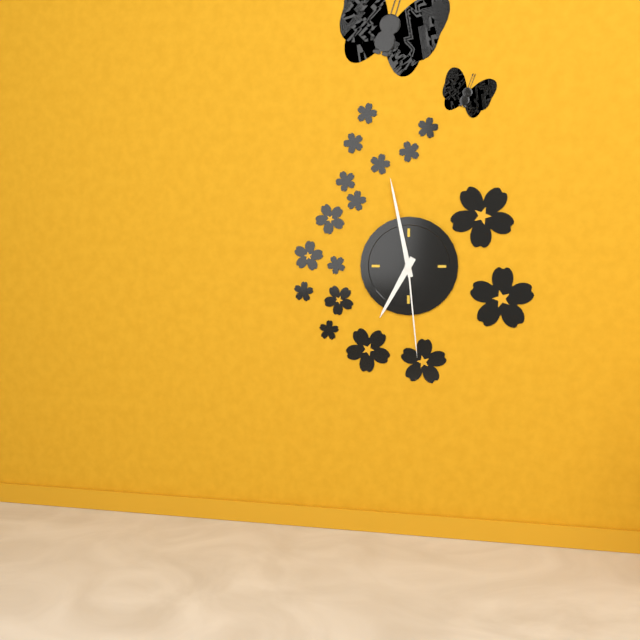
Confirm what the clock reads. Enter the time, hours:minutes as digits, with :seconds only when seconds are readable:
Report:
6:58:29
